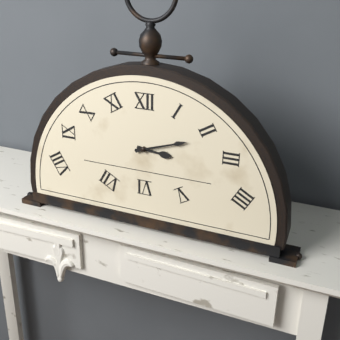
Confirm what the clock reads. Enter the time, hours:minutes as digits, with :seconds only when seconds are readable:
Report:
3:12
